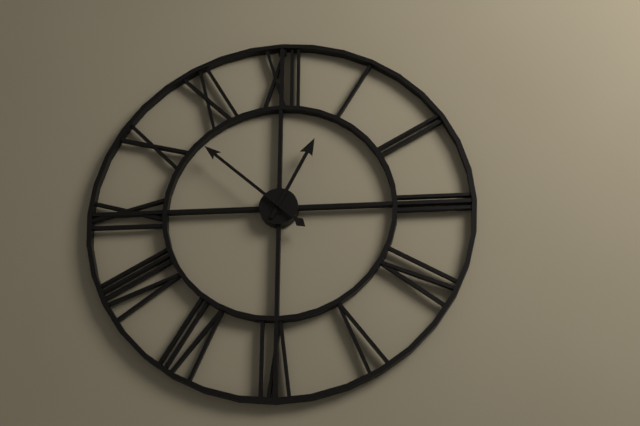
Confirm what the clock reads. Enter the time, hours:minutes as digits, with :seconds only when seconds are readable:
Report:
12:52
